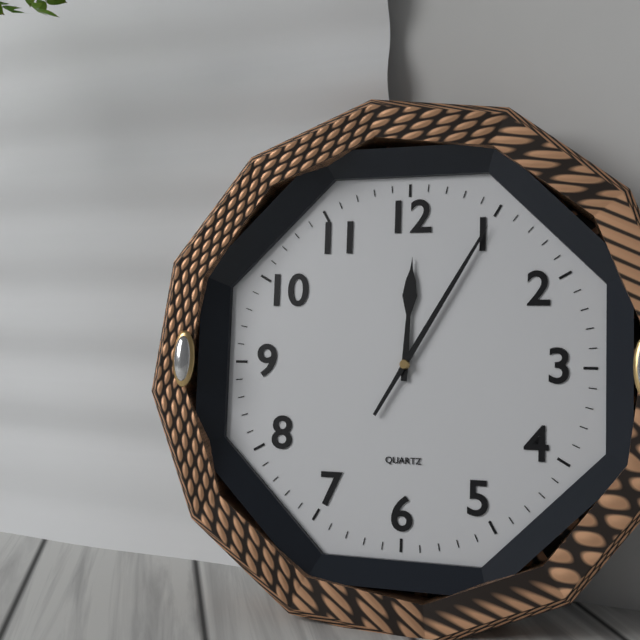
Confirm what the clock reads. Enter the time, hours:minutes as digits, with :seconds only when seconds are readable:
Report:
12:05
